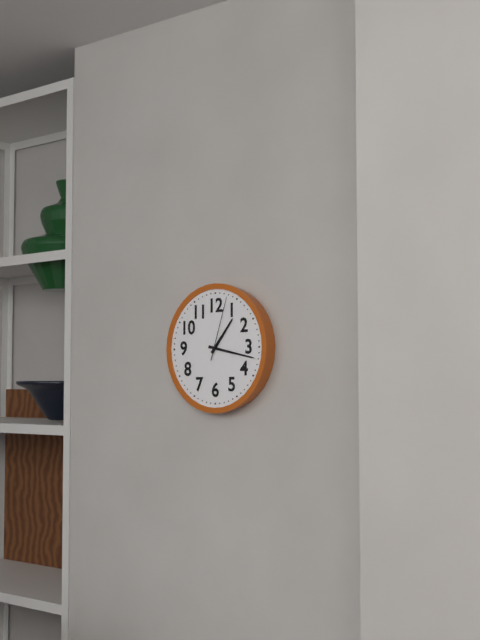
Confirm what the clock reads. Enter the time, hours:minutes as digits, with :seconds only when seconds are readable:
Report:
1:17:03
